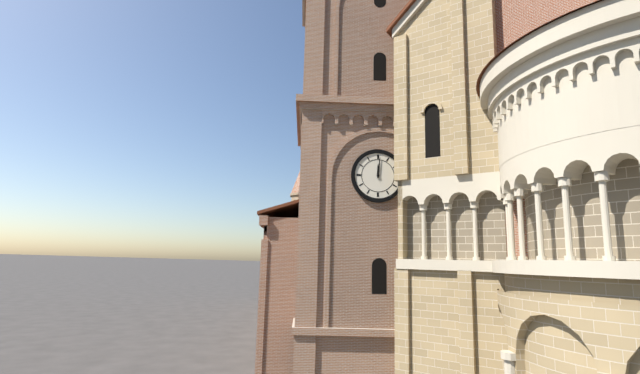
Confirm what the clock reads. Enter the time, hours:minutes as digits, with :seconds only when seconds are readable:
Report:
12:01
